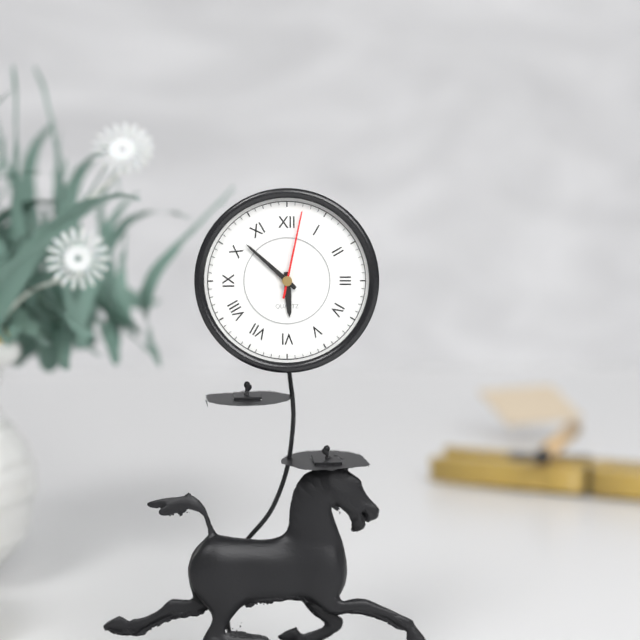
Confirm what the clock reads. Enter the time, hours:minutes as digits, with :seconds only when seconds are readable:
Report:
5:52:02
